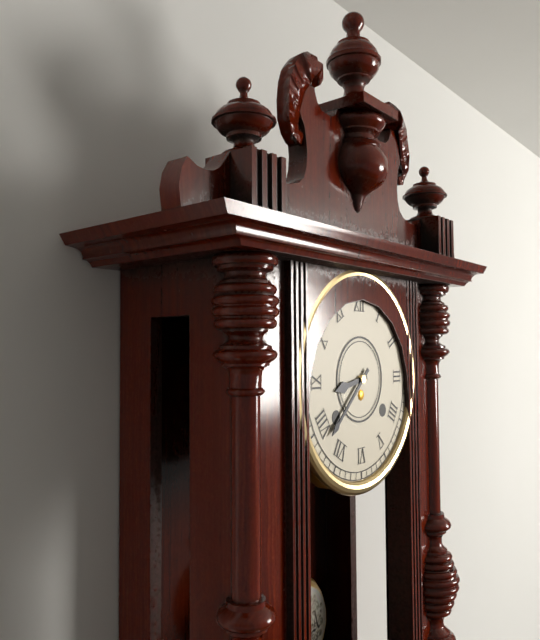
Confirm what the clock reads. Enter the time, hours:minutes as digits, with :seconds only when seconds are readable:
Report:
8:38
